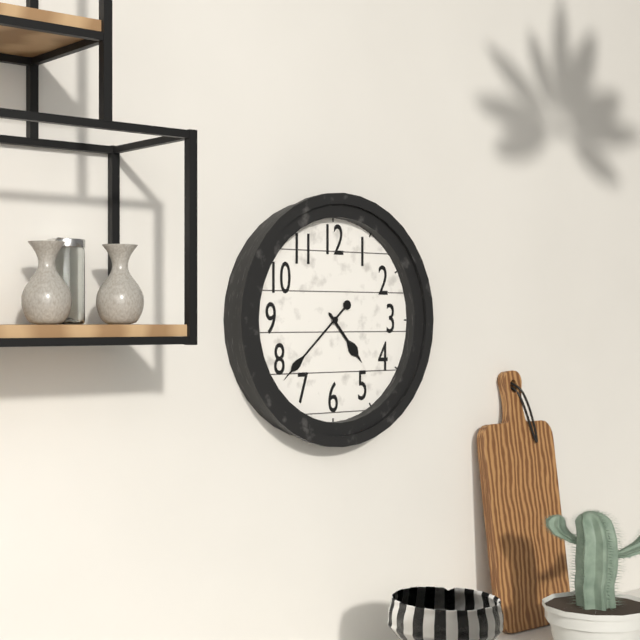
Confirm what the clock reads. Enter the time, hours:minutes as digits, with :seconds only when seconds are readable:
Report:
4:38
